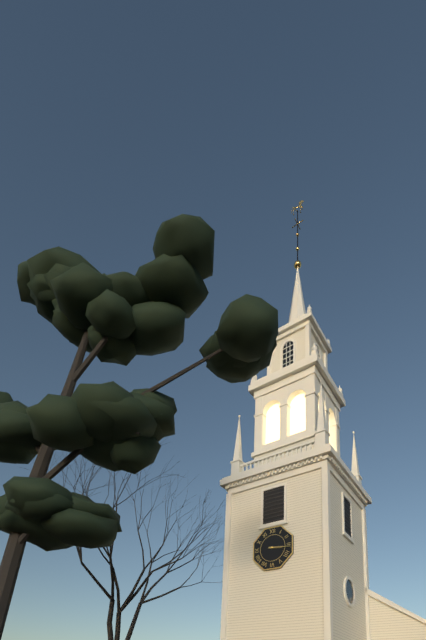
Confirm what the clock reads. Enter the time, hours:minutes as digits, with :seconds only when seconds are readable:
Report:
3:16
